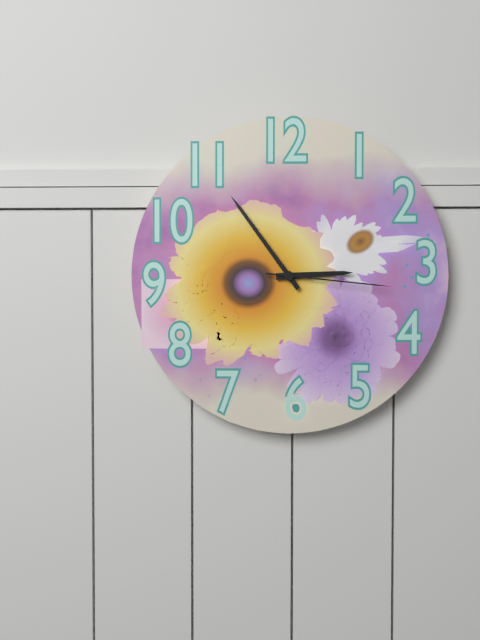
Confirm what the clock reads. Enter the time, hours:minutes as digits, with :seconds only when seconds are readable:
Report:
2:54:16
